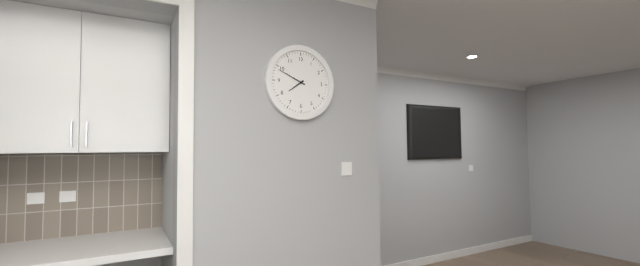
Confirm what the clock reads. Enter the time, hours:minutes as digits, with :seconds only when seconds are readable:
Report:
7:49
